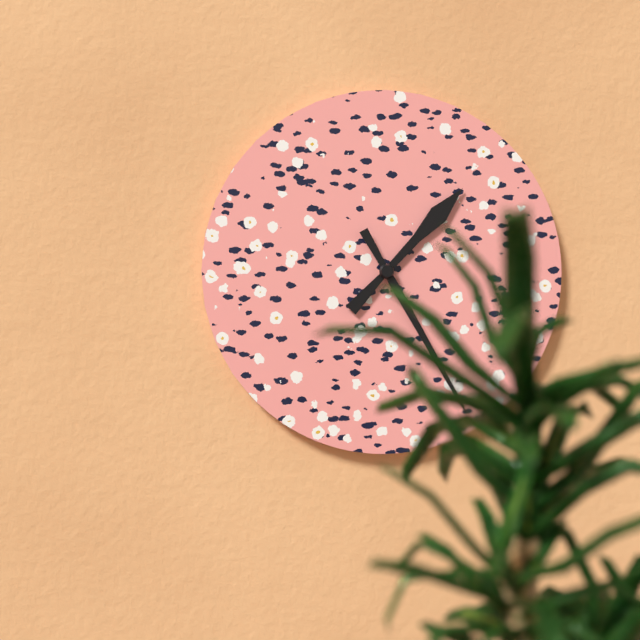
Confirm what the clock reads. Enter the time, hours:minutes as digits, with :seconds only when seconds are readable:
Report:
1:25
